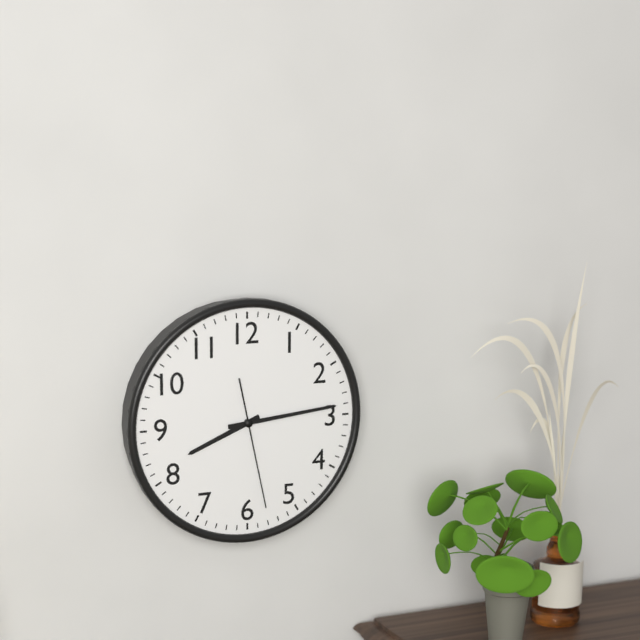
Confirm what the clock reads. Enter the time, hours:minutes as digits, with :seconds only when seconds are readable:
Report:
8:14:28
